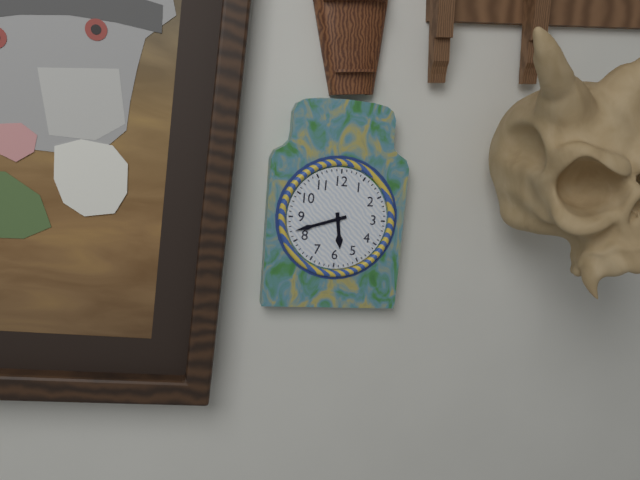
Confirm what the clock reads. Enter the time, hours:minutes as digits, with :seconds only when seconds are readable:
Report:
5:42
